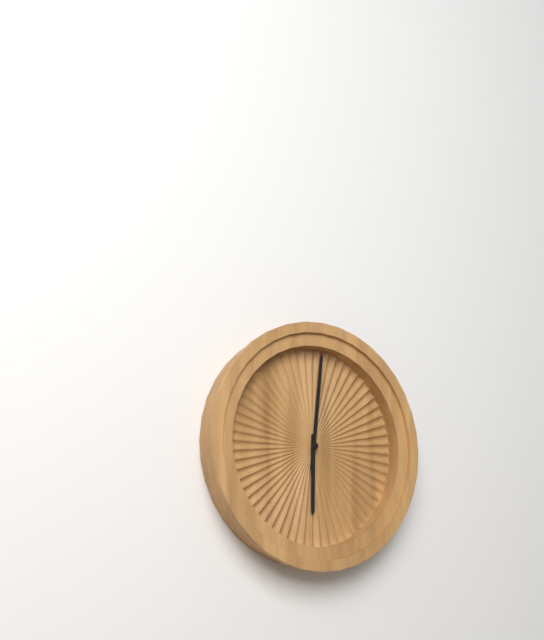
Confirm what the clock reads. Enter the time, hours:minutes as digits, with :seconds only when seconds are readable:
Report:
6:01
